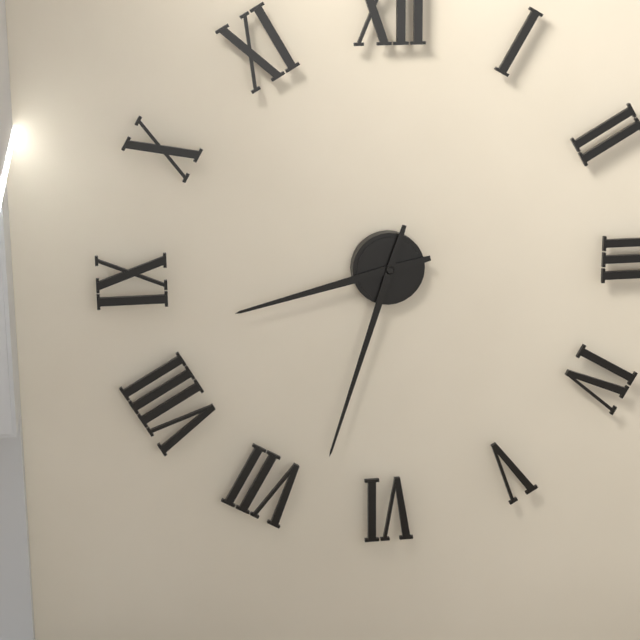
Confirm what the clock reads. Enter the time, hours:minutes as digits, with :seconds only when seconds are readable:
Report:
8:33
